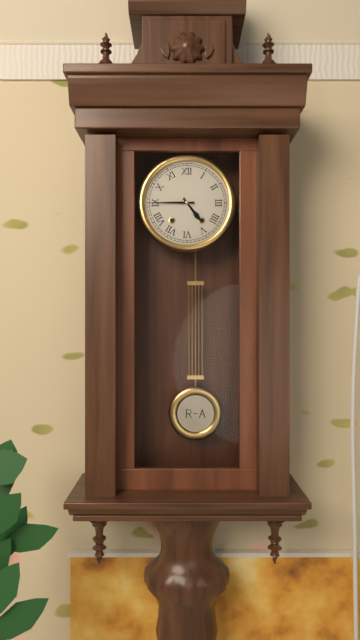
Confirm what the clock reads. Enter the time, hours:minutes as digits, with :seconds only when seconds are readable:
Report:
4:45
